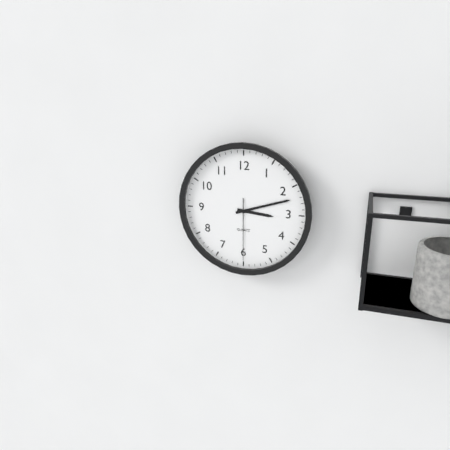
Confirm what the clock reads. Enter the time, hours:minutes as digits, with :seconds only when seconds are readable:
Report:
3:12:30
